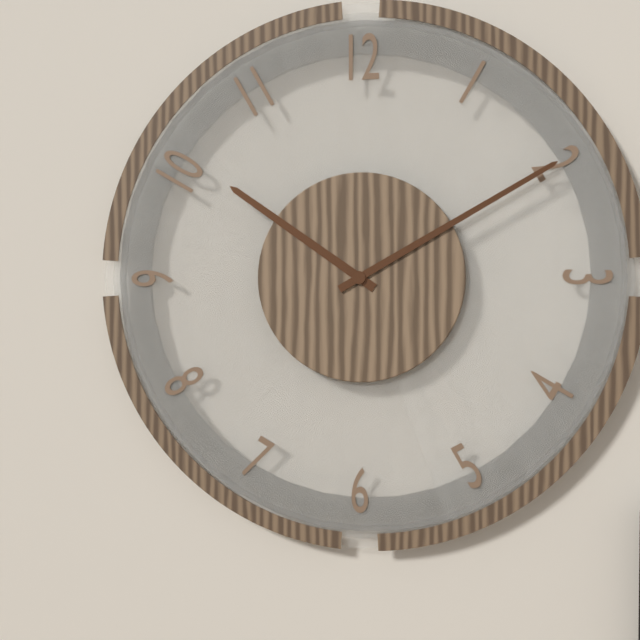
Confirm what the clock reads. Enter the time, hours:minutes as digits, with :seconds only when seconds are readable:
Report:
10:10
